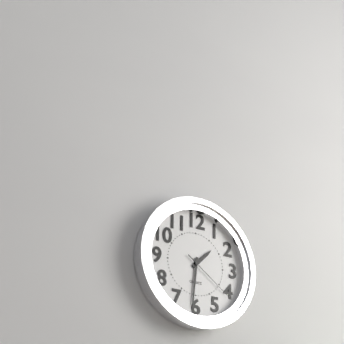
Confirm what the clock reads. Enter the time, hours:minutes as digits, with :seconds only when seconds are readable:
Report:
1:31:21
